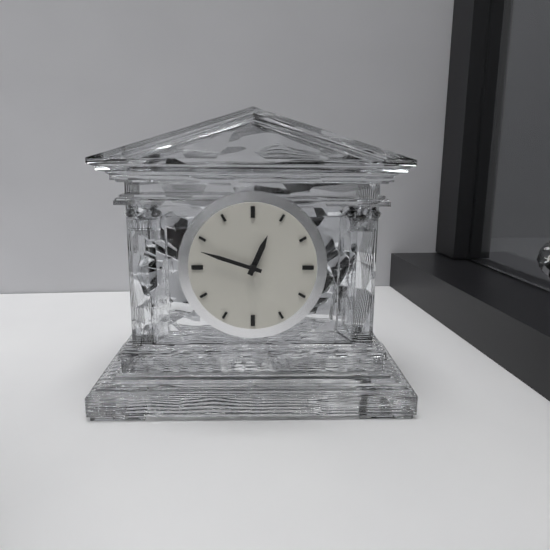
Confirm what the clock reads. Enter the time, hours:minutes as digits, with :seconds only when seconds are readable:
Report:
12:48
